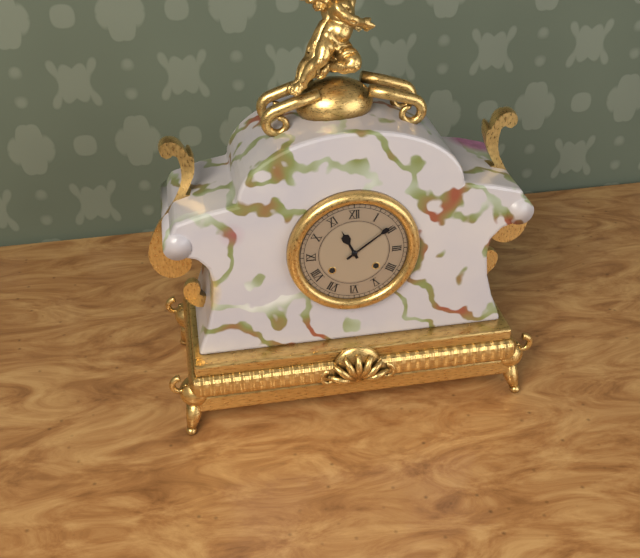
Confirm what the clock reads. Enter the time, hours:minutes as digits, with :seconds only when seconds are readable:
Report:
11:09
